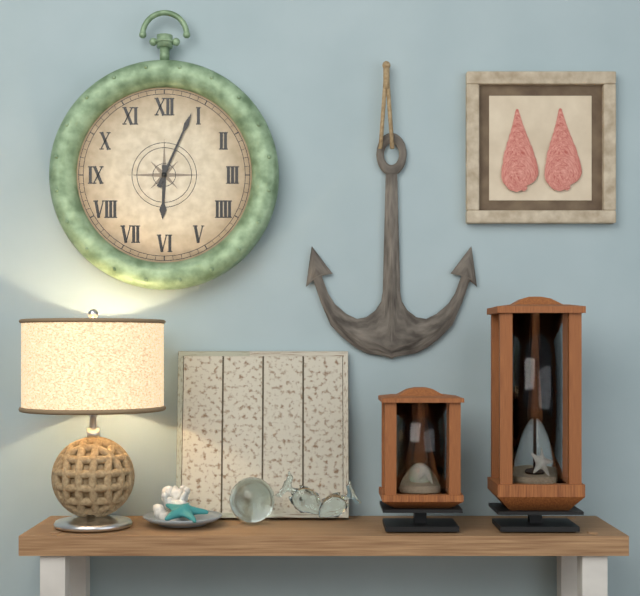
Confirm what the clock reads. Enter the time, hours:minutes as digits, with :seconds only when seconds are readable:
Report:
6:04
